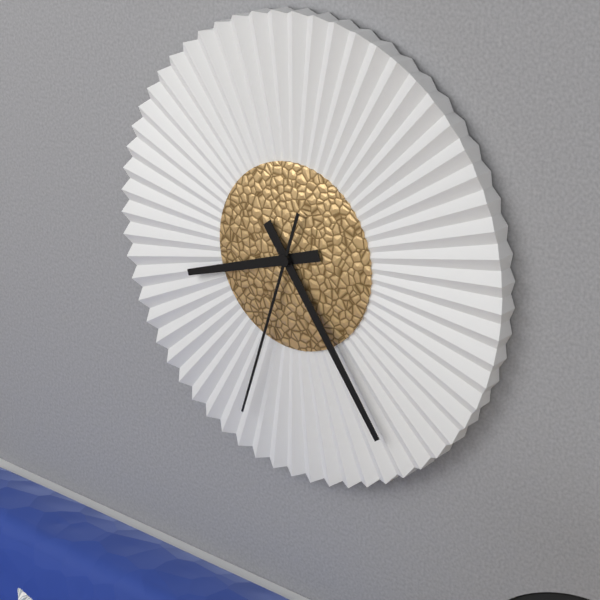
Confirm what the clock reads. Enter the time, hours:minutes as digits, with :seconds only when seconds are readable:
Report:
8:24:33
